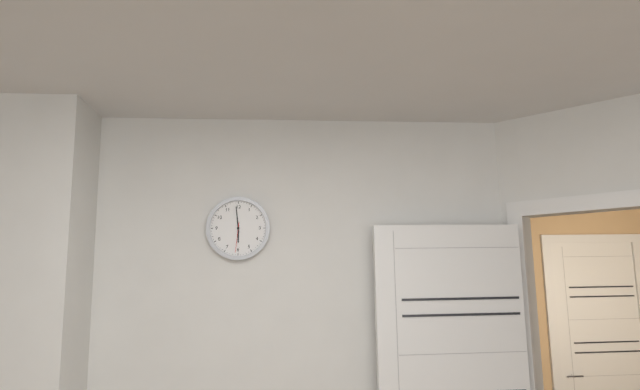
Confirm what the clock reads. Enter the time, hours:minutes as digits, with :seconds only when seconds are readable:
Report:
5:59
